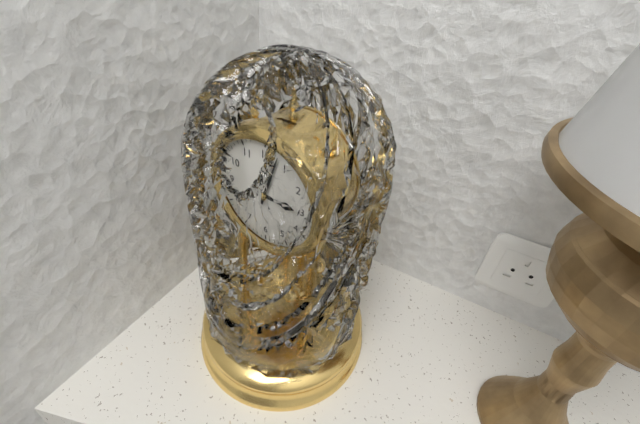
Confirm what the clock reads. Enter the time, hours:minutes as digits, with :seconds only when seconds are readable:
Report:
3:03
